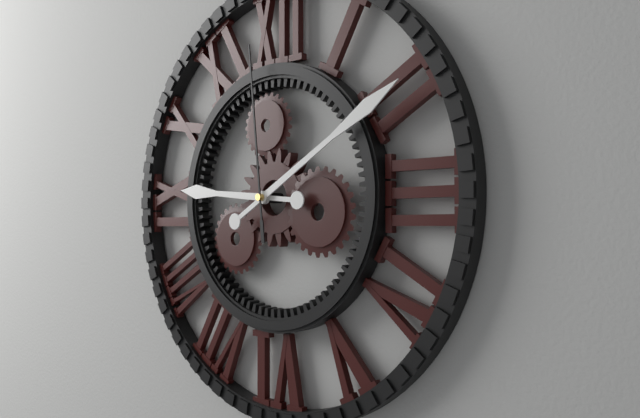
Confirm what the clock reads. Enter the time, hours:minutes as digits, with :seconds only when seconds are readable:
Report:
9:10:59
